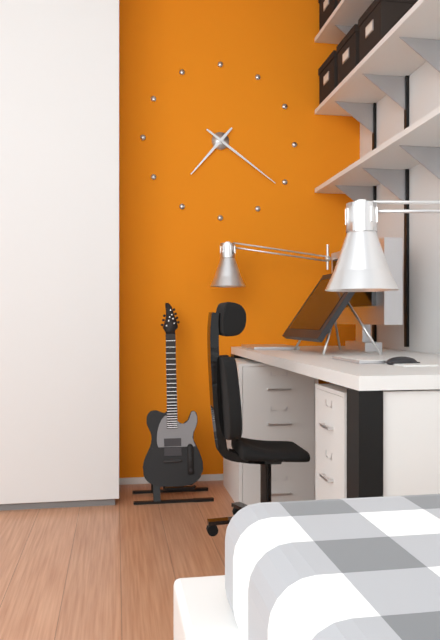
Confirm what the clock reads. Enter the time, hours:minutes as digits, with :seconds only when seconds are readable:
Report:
7:21
